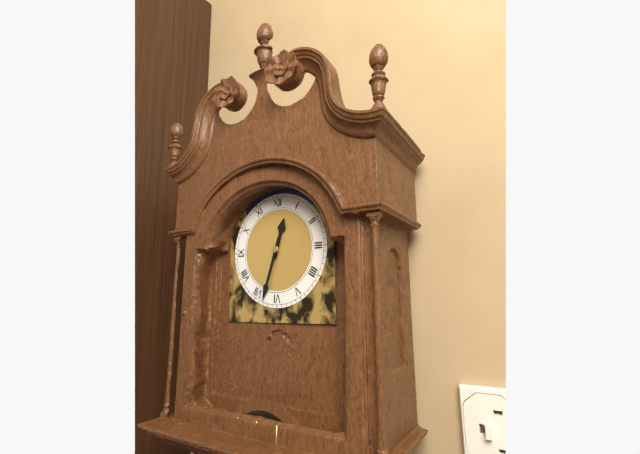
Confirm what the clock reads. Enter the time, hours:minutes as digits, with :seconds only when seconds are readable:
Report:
12:33
